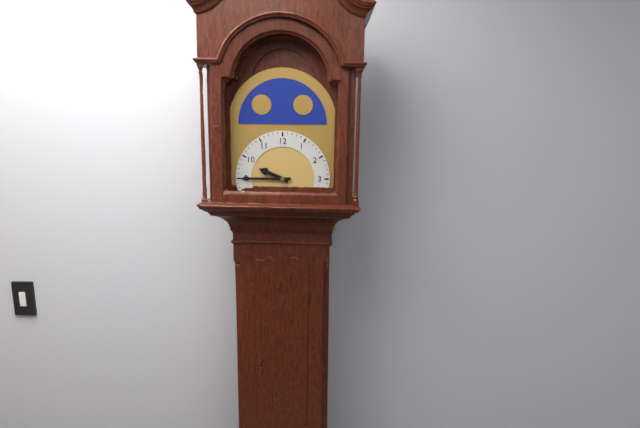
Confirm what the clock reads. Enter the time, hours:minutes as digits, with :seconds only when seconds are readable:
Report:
9:45
